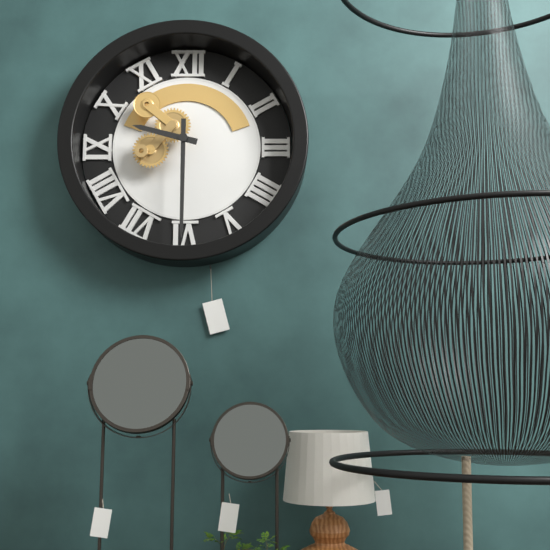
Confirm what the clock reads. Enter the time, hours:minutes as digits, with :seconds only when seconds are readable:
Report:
9:30
